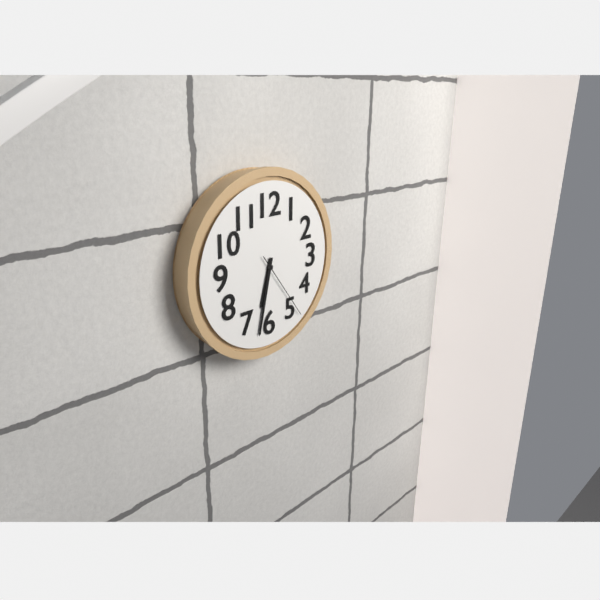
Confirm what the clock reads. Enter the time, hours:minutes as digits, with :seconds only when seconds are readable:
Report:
6:32:24
